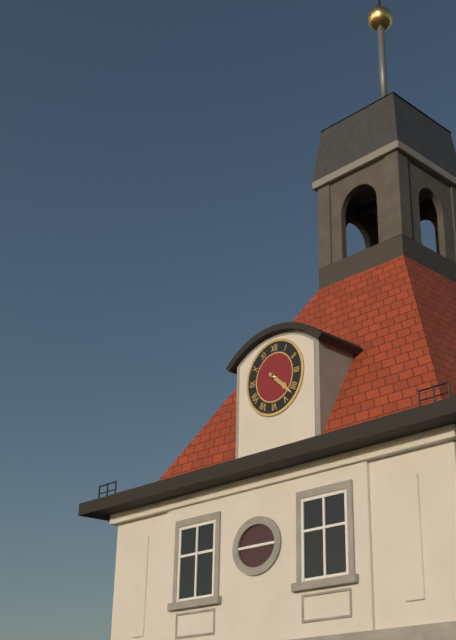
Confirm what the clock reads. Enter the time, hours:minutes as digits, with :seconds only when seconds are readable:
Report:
4:22
